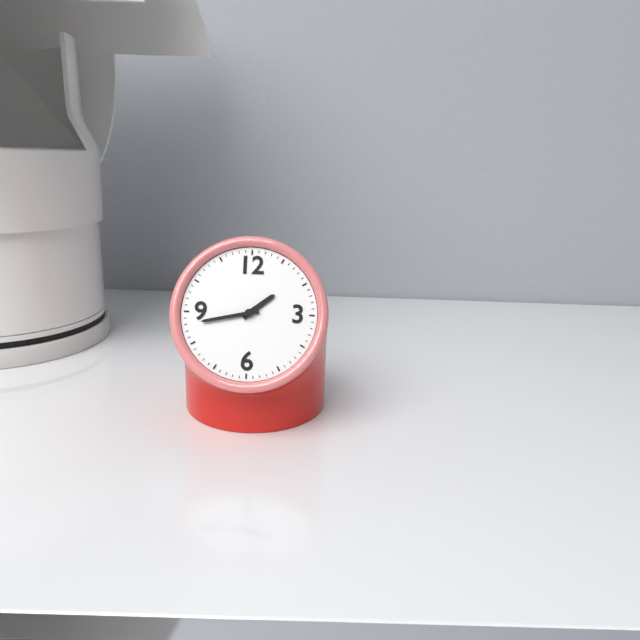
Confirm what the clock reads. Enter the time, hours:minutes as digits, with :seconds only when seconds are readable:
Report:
1:43
